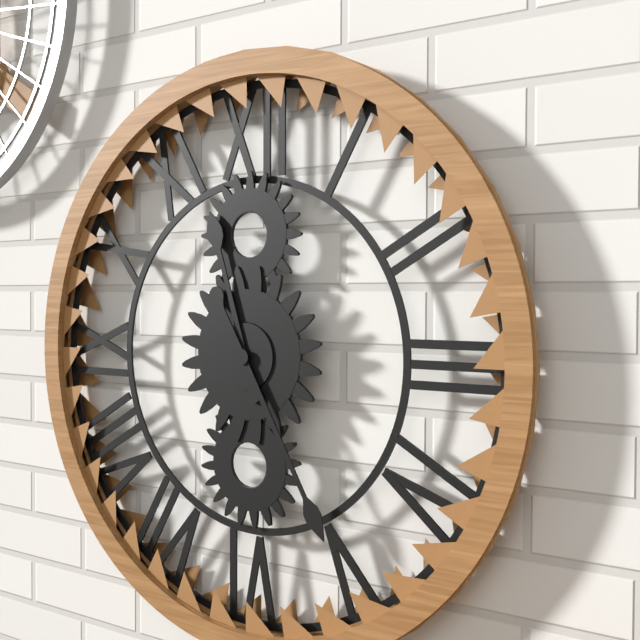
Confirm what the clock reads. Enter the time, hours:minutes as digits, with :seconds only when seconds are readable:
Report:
11:25
